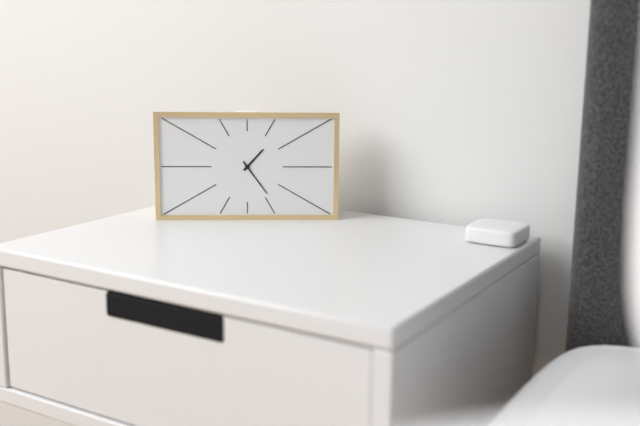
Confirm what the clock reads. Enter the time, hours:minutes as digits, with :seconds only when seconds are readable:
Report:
1:24
